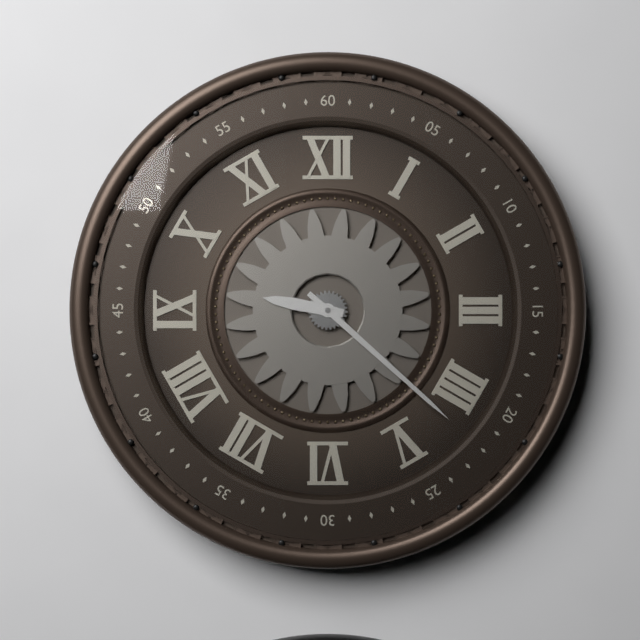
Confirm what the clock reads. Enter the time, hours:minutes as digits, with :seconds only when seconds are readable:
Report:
9:22
